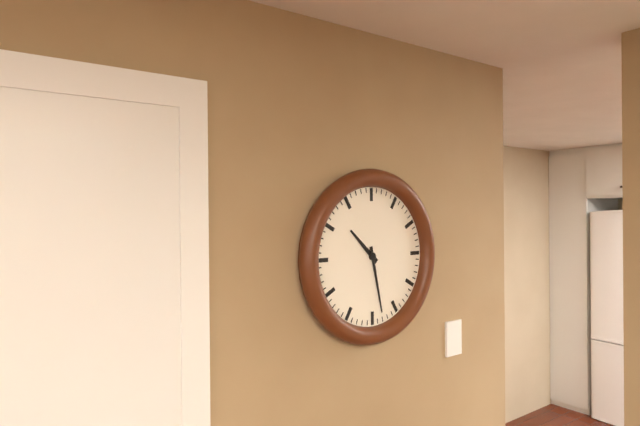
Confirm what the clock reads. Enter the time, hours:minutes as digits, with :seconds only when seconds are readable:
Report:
10:28
